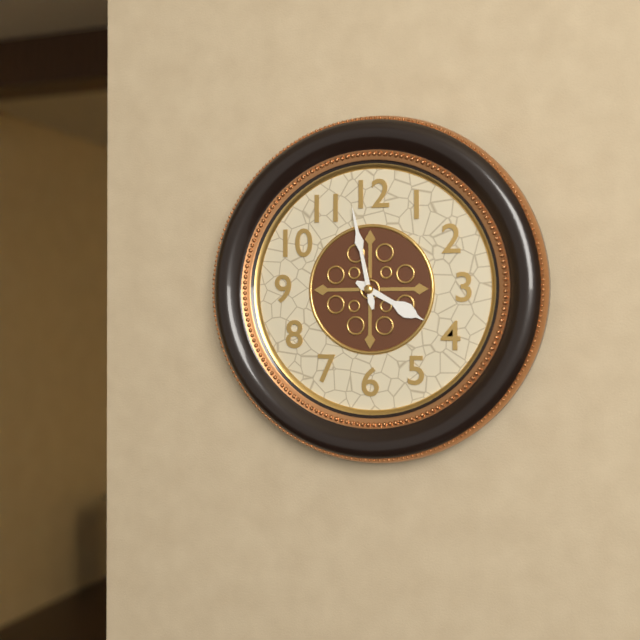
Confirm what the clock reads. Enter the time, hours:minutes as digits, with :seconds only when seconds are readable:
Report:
3:58
